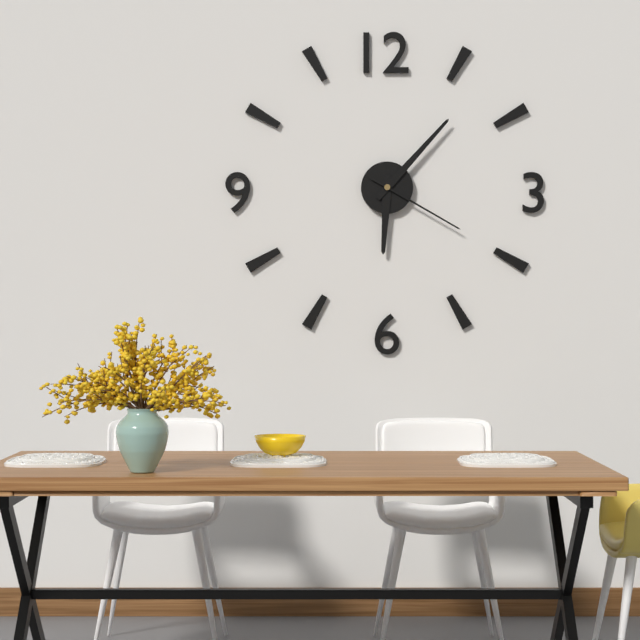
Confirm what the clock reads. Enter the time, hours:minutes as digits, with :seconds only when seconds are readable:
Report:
6:07:20
